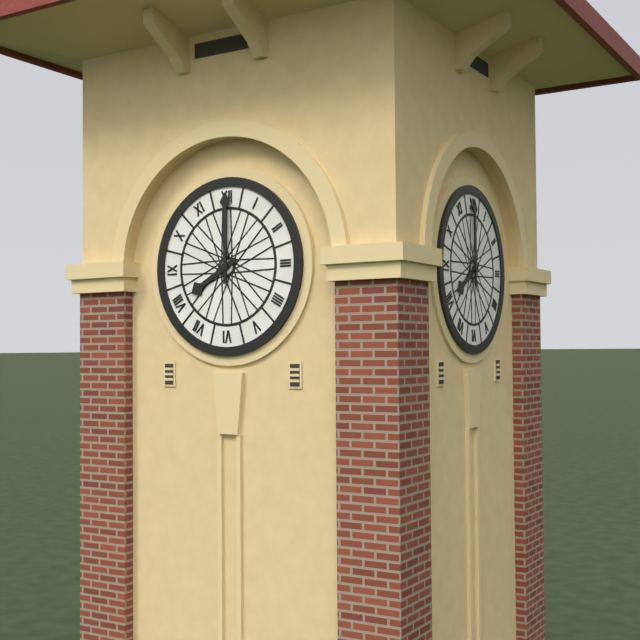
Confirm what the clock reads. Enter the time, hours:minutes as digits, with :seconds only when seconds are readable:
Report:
8:00
